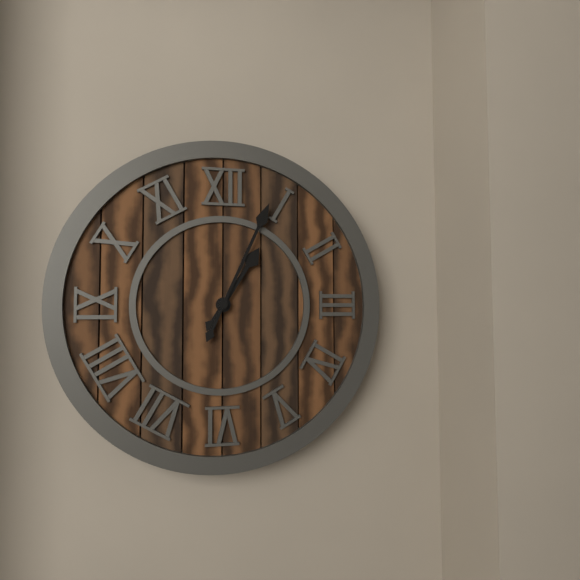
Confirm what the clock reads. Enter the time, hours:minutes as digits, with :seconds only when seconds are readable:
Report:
1:04
